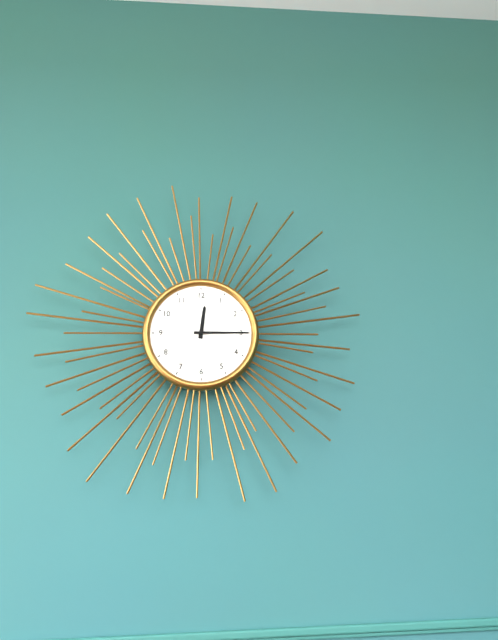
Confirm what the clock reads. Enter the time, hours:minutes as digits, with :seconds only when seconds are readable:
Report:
12:15
